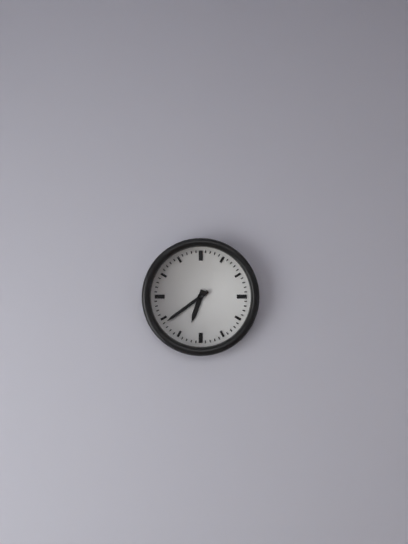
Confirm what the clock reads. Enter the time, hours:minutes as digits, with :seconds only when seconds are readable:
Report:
6:39
